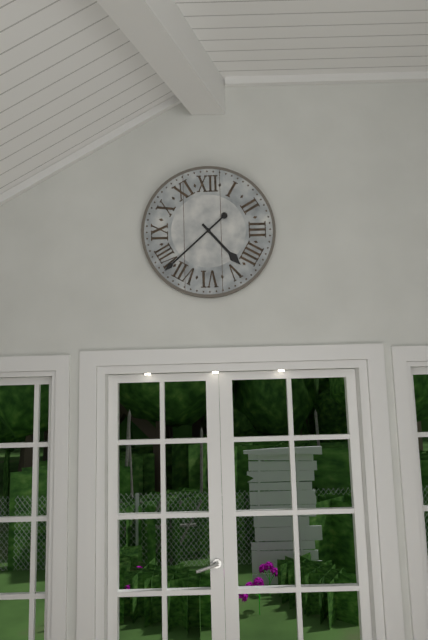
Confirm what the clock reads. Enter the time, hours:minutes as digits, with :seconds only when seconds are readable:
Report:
4:38
